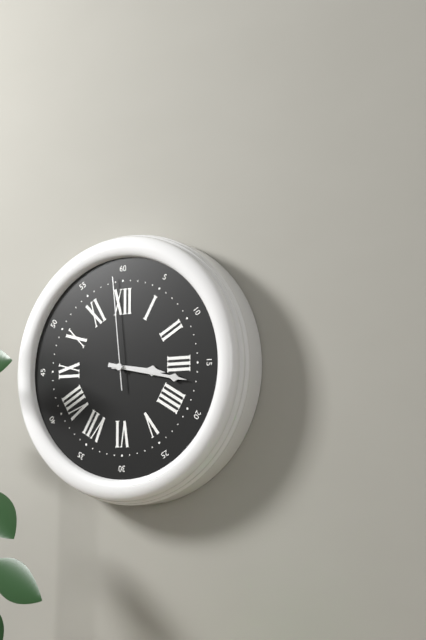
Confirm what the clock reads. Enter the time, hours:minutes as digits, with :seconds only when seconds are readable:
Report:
3:17:59
